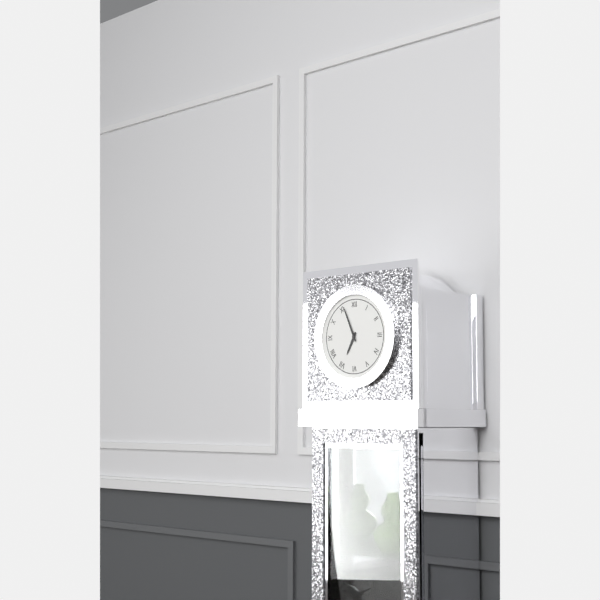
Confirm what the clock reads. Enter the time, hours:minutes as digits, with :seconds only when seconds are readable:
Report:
6:56
